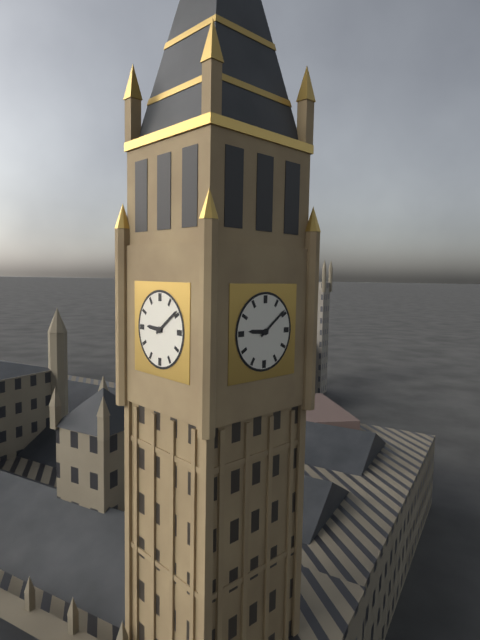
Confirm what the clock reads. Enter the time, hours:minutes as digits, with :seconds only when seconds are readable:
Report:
9:09
